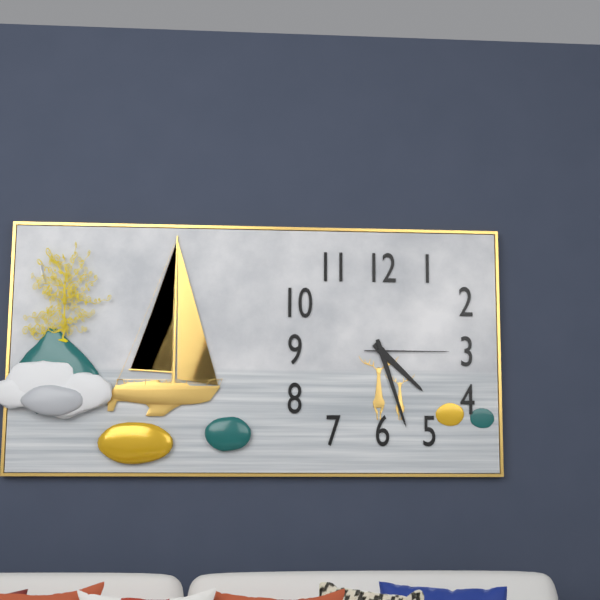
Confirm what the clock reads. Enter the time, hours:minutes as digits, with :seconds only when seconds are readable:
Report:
4:27:15
